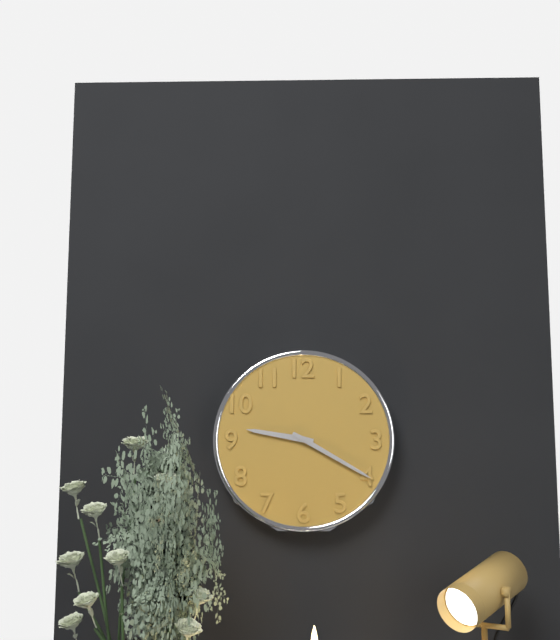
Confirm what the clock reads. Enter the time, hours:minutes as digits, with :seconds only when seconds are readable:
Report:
9:20
